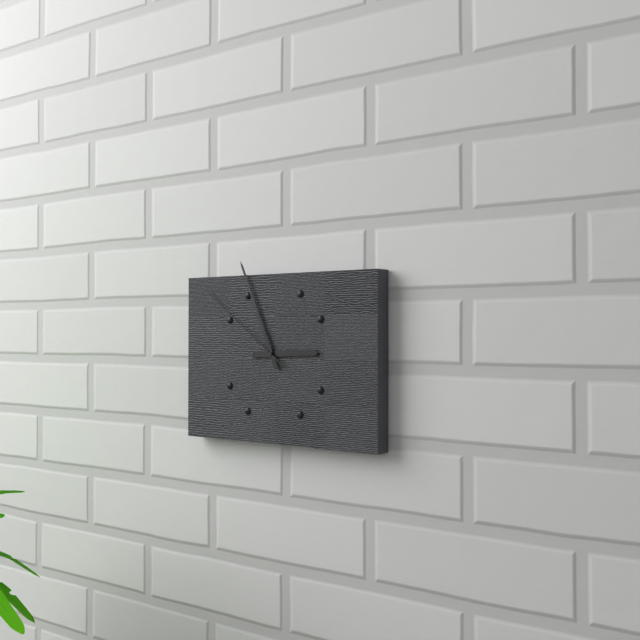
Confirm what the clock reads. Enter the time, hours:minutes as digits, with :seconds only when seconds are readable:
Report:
2:56:51
